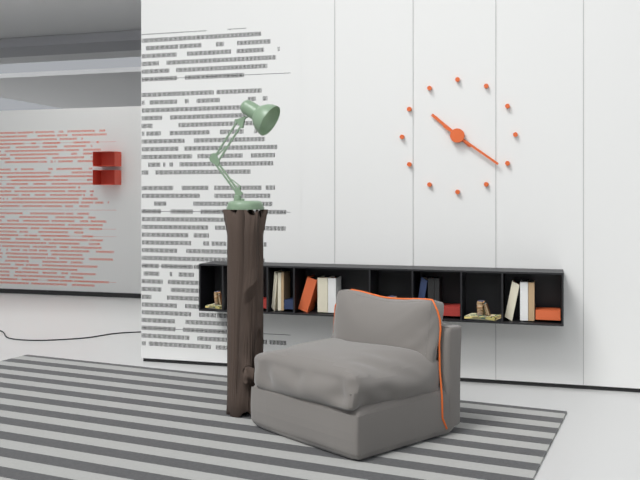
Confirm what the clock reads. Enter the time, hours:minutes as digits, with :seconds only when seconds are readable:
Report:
10:21
